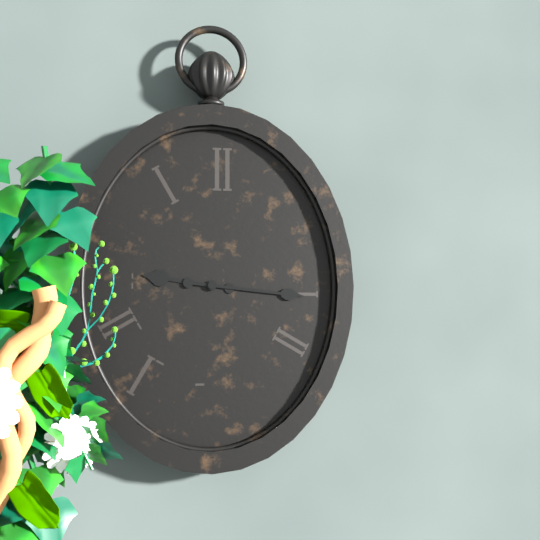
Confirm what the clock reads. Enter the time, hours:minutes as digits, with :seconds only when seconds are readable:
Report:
9:16
